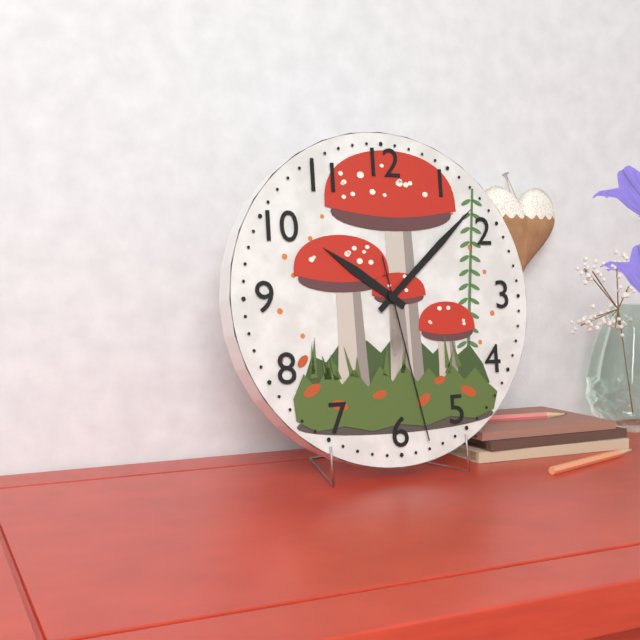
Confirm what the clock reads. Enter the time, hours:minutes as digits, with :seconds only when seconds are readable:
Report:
10:08:28
